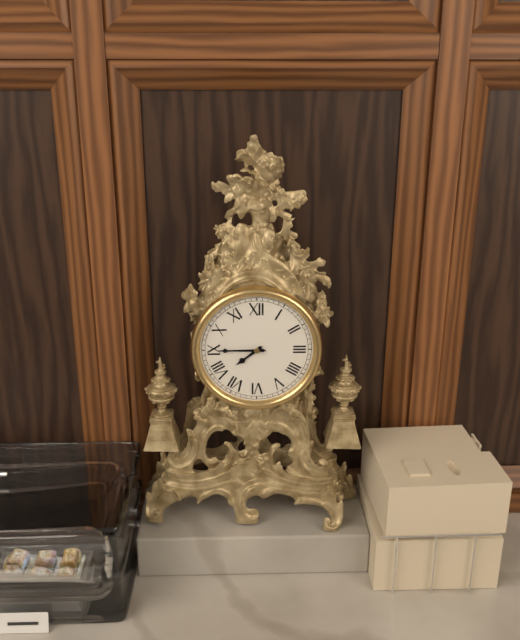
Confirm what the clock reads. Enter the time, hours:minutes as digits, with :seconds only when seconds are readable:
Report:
7:45
